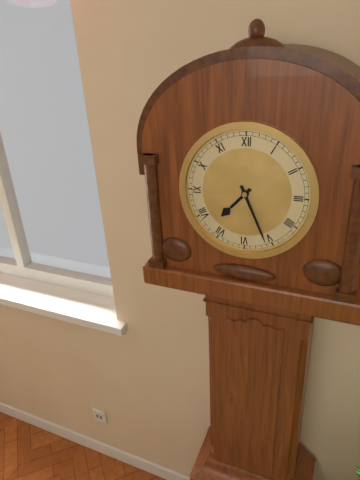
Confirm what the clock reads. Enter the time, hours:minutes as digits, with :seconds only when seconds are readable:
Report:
7:26
